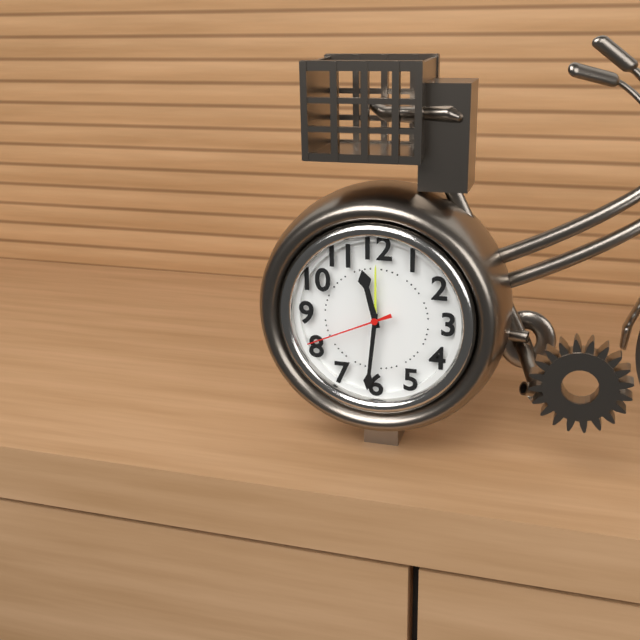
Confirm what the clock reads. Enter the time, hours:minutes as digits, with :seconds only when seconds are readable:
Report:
11:31:41
